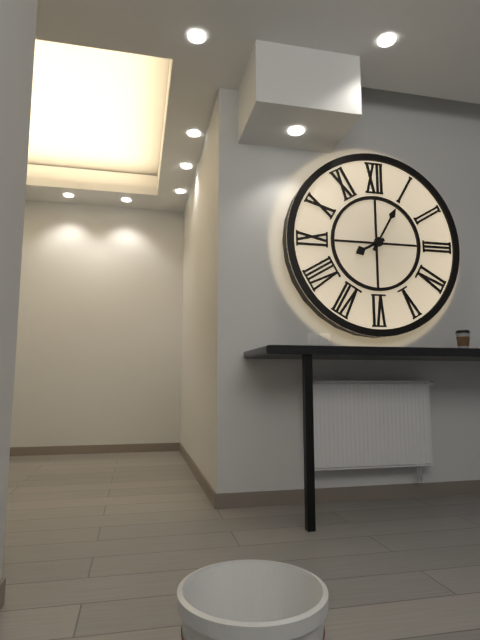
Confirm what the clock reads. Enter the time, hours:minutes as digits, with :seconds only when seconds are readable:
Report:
8:05
